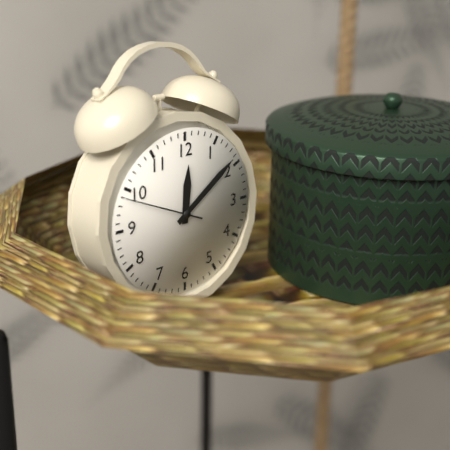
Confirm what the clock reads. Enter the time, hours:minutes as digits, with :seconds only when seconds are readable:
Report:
12:09:49
